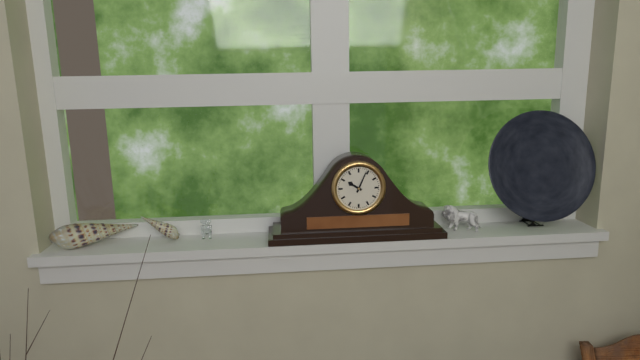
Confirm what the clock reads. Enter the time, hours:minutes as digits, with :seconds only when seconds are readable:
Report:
10:04
